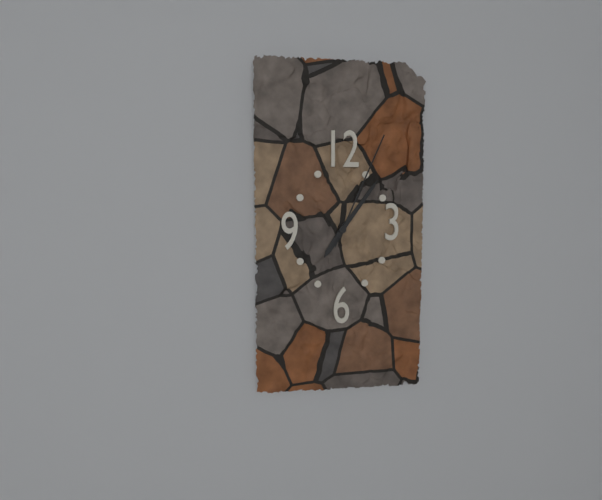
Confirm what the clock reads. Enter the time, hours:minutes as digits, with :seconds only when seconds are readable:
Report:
7:06:04
